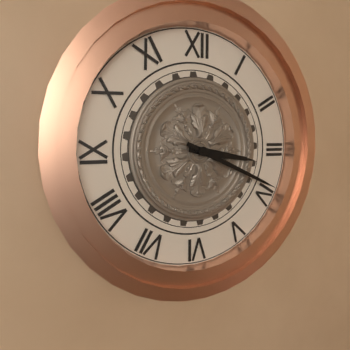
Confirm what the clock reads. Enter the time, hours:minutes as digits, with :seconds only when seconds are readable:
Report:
3:19
